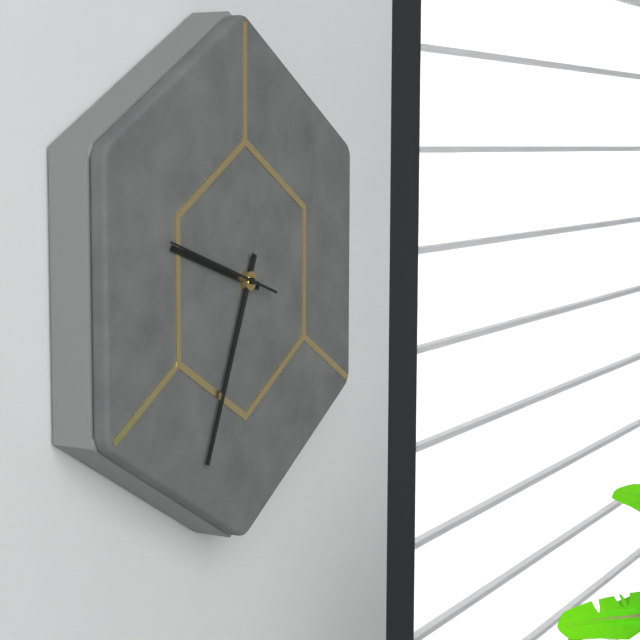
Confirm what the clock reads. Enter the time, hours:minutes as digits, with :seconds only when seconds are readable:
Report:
9:34:48
